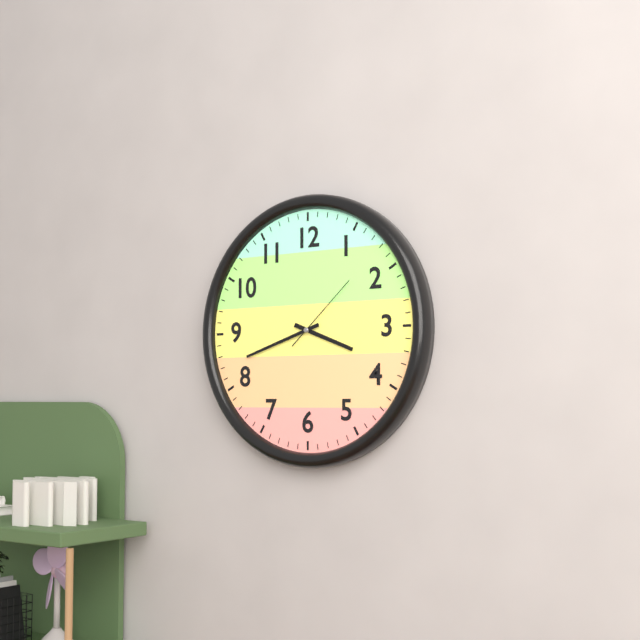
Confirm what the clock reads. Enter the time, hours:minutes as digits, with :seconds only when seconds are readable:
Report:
3:42:08
